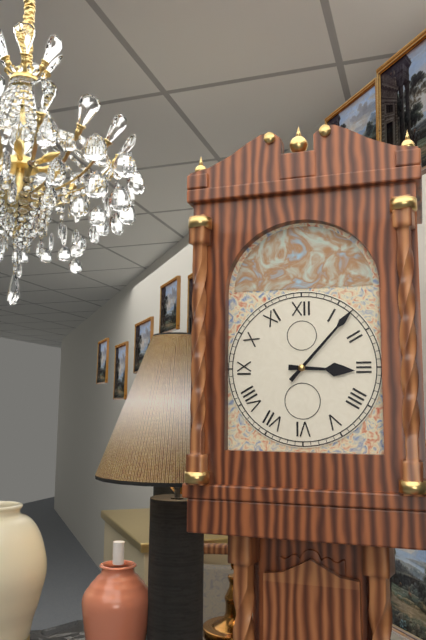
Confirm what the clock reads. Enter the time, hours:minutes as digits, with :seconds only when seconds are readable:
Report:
3:07
